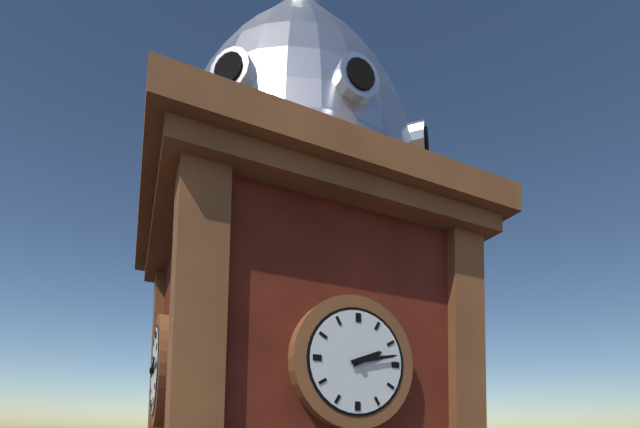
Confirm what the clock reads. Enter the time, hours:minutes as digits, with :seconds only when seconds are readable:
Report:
2:13
